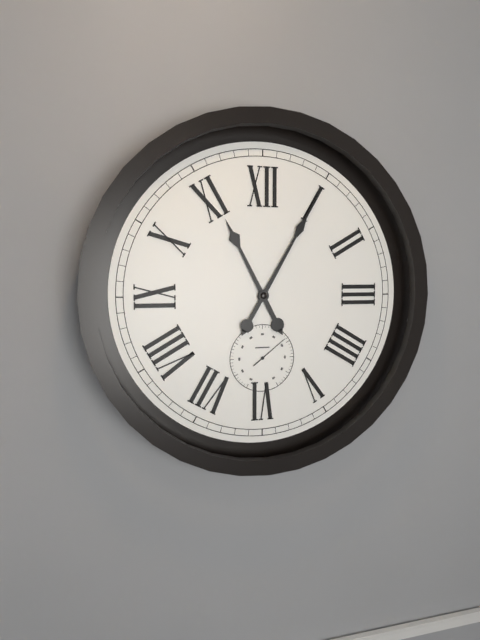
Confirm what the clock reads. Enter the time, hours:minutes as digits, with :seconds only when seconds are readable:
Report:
11:05
